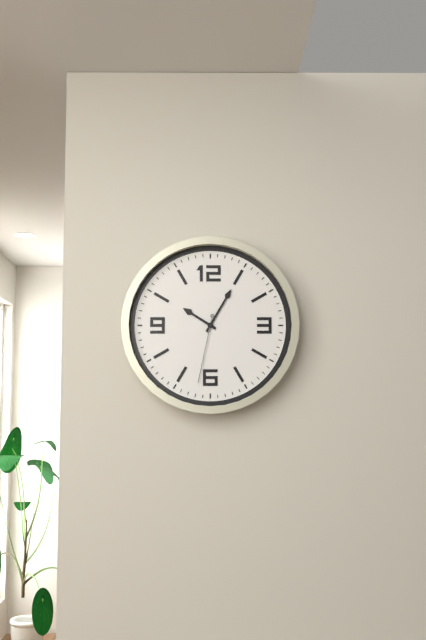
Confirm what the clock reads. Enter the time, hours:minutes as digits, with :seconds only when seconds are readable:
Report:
10:05:32
